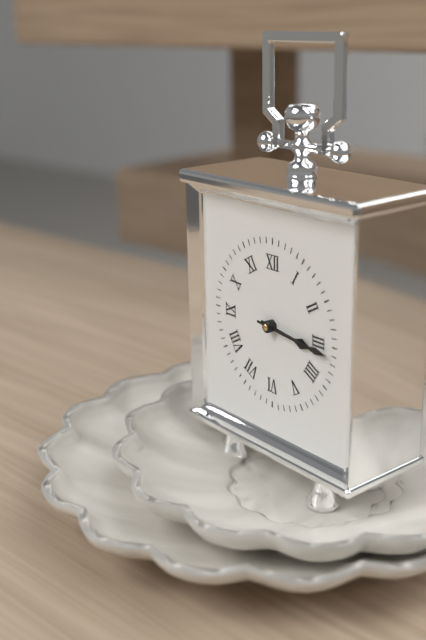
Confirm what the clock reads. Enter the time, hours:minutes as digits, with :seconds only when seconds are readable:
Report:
3:16
